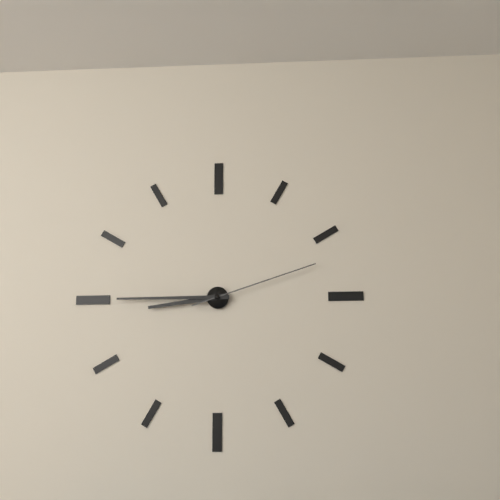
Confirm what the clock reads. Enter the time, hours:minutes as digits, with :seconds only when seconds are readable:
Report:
8:45:12
